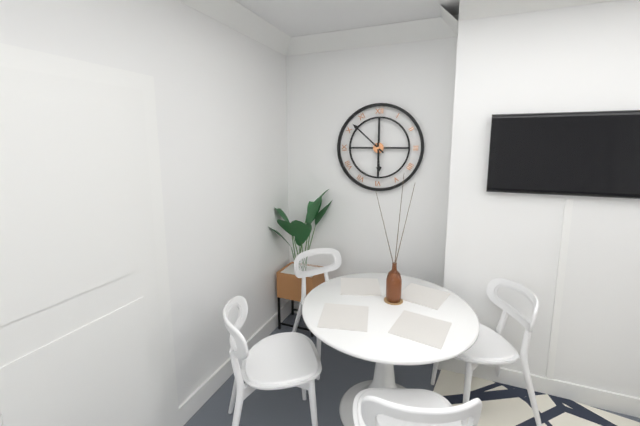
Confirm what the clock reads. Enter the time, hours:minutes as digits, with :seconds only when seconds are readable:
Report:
5:52
